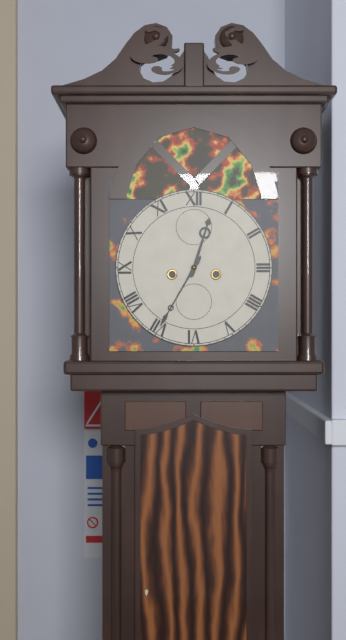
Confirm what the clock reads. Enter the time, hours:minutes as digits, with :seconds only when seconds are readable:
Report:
12:35
